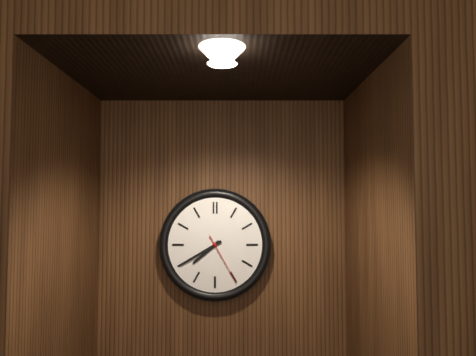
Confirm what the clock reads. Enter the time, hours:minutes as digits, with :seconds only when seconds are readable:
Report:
7:40:25
